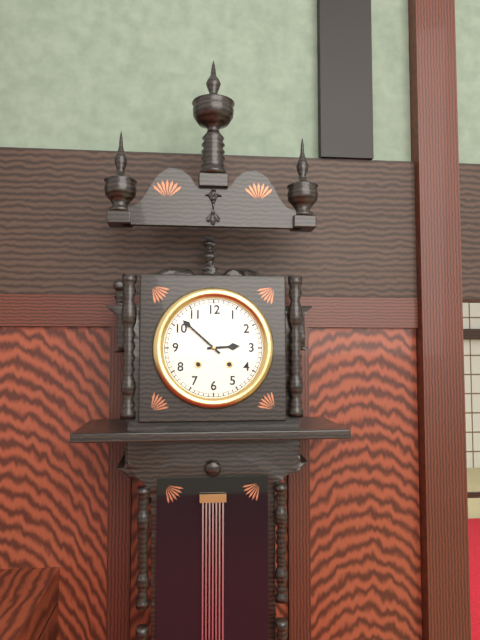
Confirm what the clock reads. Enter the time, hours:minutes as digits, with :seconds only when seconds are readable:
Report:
2:52
